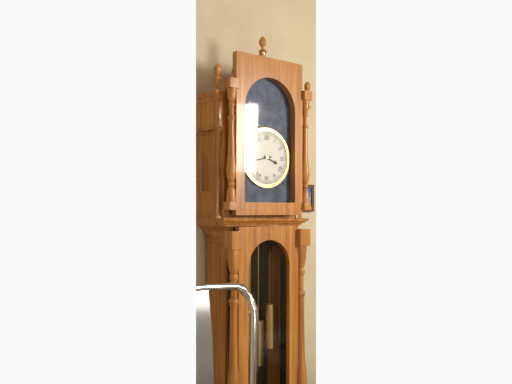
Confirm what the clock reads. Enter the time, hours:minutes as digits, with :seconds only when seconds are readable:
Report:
3:43
